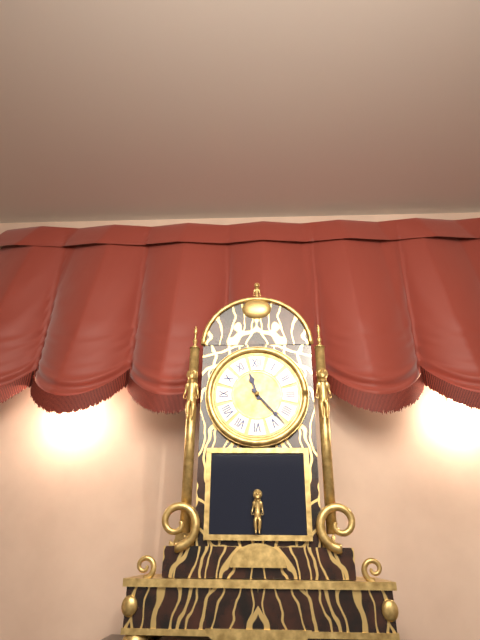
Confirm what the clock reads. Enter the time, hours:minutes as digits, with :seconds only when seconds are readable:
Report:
11:23
